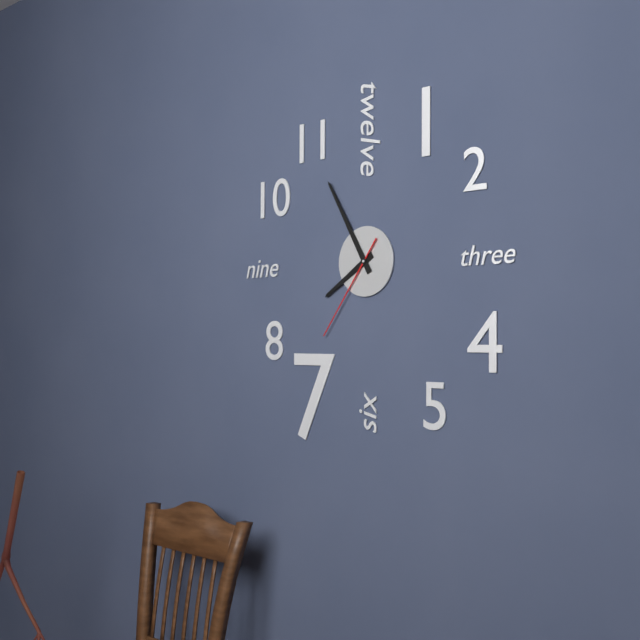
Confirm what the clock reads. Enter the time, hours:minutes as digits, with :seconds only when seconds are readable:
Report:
7:55:36
